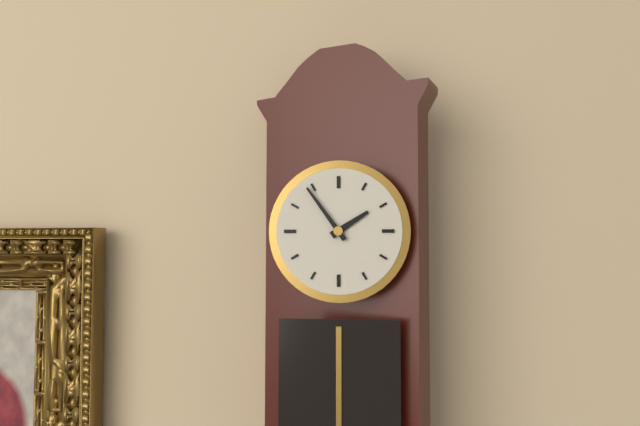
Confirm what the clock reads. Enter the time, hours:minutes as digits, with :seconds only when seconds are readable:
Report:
1:54
